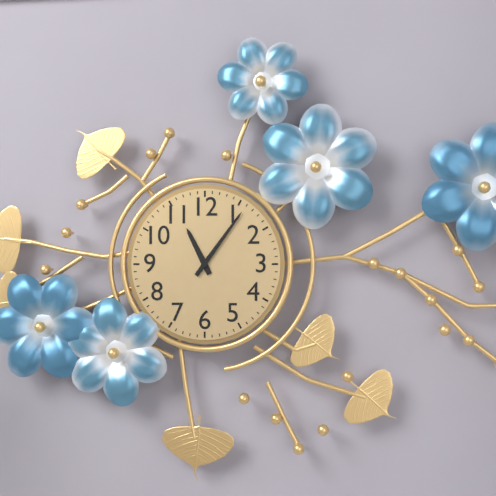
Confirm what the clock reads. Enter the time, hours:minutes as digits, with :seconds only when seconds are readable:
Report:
11:06
